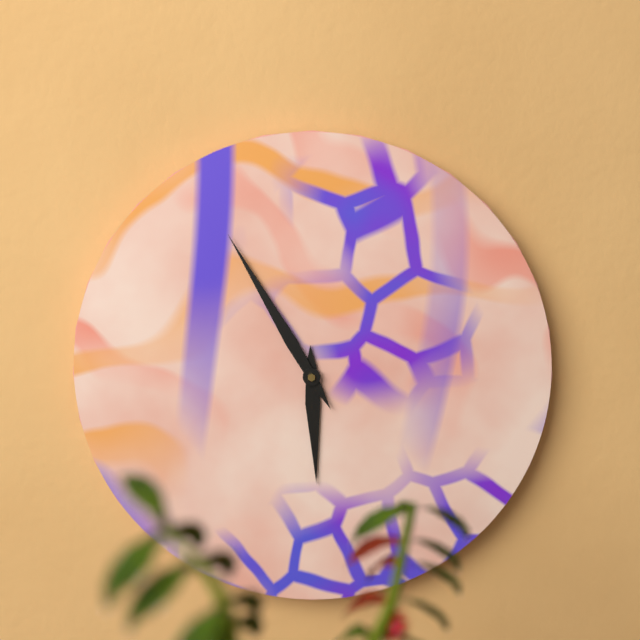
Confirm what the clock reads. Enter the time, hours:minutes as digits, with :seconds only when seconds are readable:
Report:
5:55
